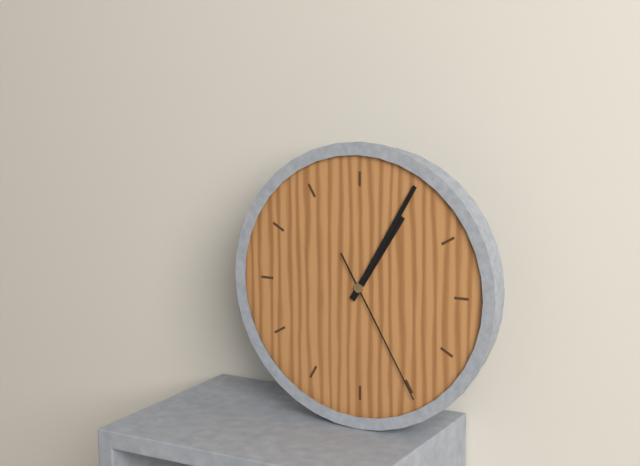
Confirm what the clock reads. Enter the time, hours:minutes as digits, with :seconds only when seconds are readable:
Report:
1:05:25
